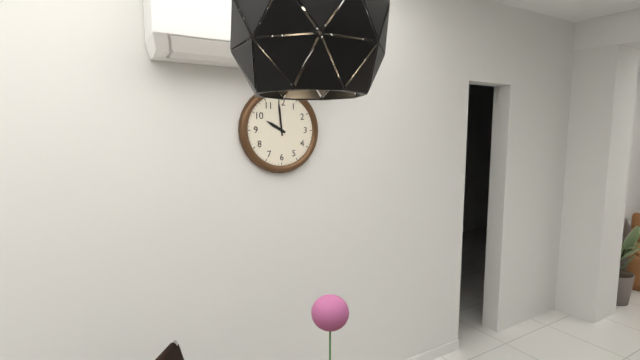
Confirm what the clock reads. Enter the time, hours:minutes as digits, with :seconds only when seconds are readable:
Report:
9:59
